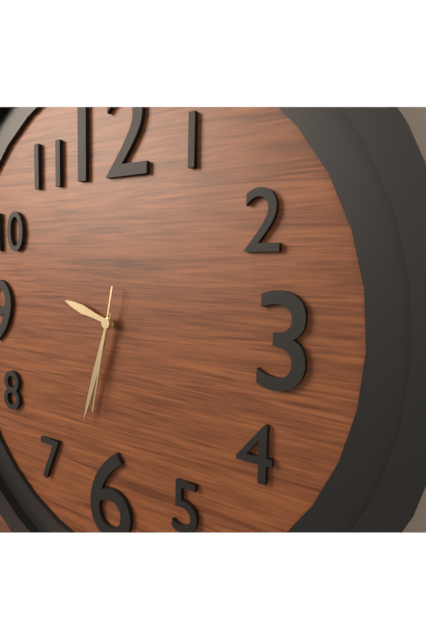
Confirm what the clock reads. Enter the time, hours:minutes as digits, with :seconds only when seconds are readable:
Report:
9:33:32
